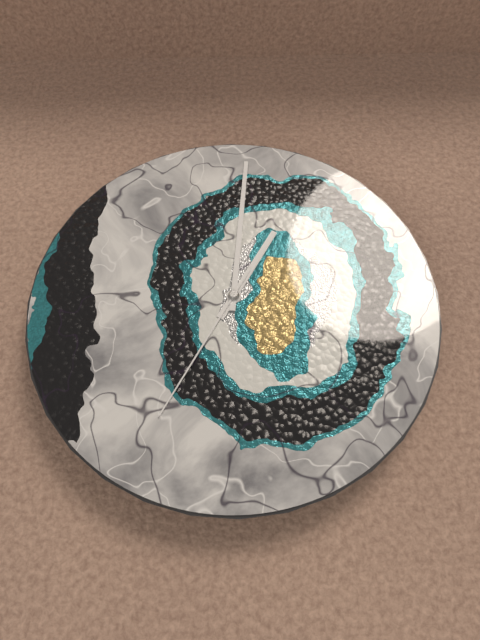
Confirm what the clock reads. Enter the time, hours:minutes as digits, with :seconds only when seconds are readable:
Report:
1:01:35
